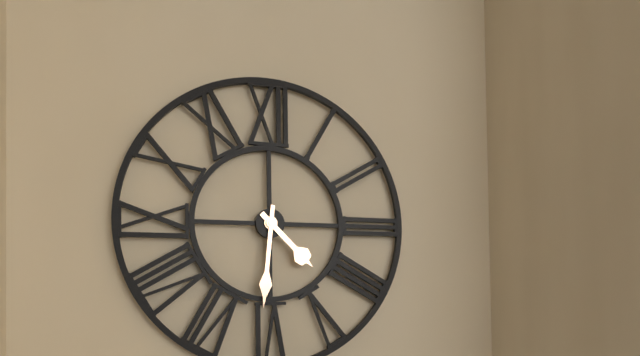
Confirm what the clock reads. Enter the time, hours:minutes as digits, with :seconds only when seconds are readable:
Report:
4:31
